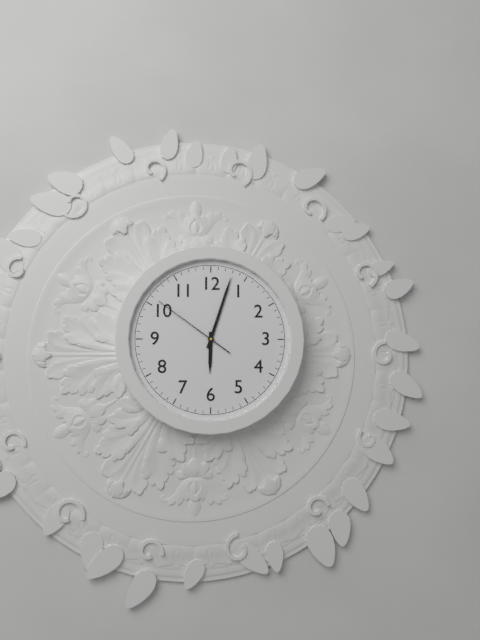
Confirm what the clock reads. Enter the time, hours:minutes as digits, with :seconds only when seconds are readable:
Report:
6:03:51
